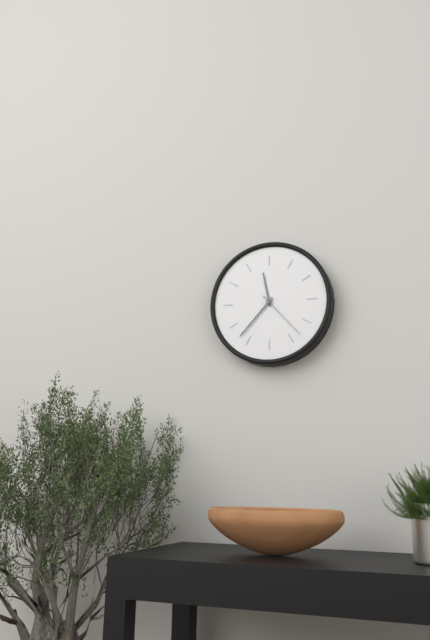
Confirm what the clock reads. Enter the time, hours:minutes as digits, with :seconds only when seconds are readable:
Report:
11:37:23
